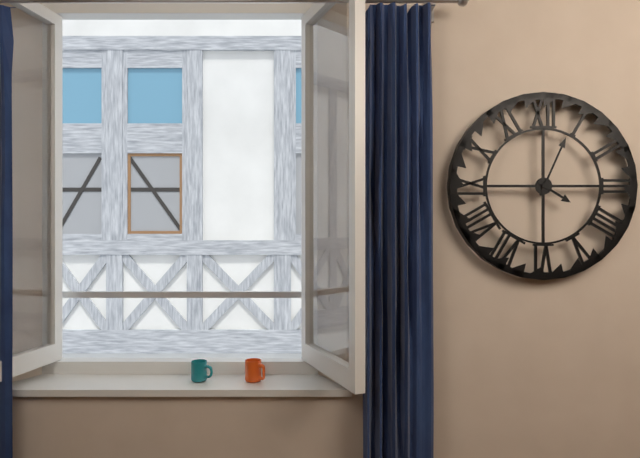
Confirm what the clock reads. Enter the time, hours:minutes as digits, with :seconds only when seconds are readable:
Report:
4:04
